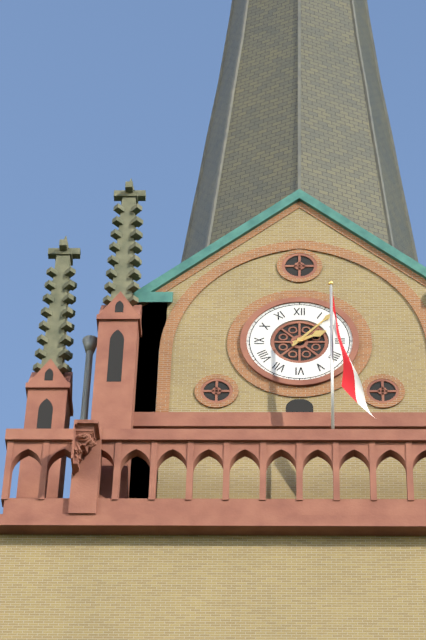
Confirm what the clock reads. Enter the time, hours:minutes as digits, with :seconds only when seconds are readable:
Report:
2:07
